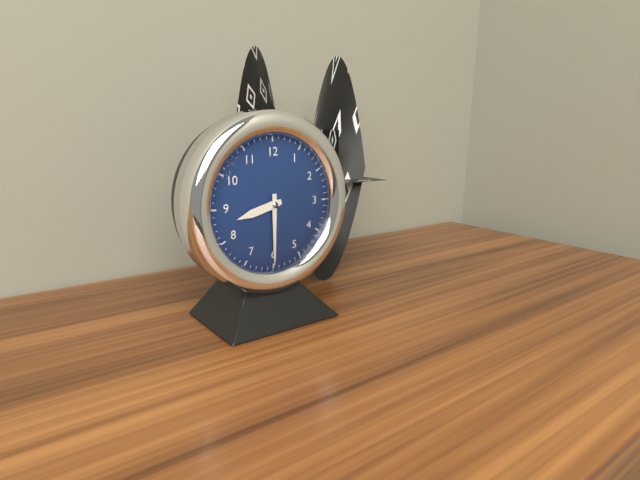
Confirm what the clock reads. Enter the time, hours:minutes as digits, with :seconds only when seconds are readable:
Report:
8:30
